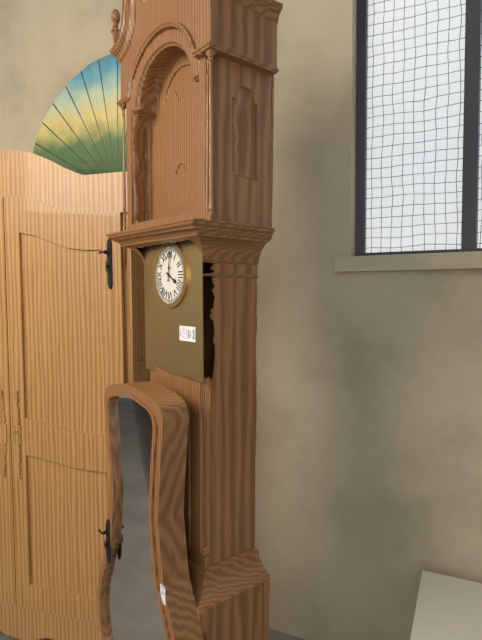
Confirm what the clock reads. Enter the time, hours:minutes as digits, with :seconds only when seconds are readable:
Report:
4:01
